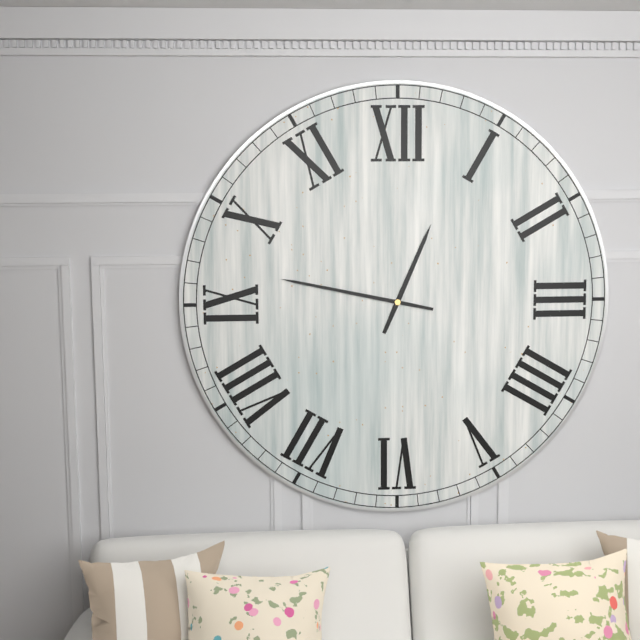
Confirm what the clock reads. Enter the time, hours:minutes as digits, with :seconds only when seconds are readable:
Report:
12:47
